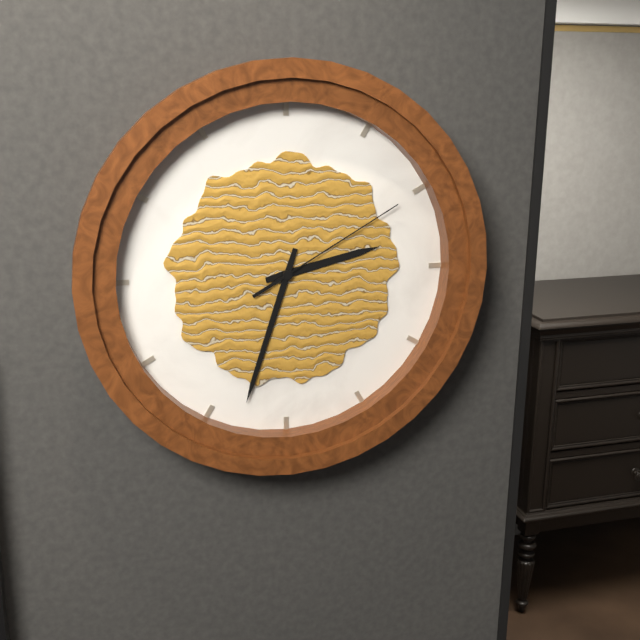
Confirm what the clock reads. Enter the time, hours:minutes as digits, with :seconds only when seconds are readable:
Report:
2:33:10
